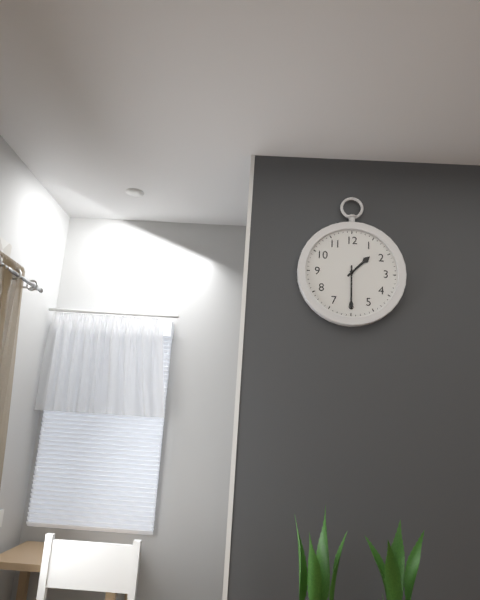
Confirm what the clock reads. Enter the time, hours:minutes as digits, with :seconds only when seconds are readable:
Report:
1:30
